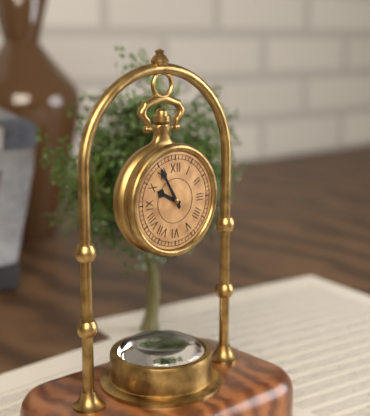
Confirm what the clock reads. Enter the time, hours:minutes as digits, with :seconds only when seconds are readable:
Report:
9:55
